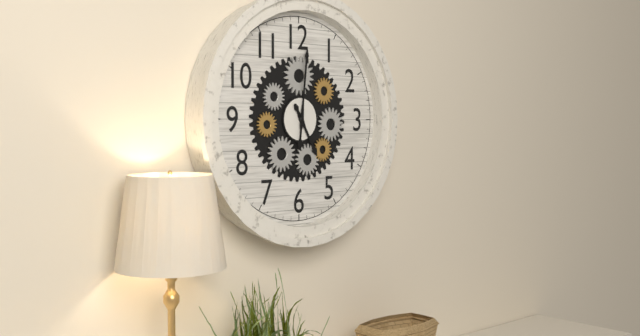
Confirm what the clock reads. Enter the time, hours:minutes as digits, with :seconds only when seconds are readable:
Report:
5:01
